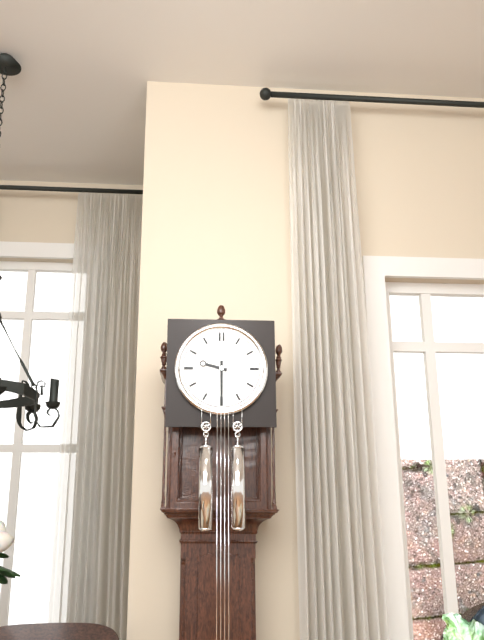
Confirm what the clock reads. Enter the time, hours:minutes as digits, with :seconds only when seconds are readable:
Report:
9:30
